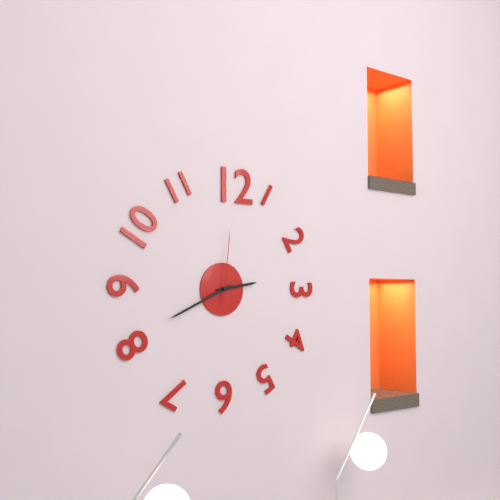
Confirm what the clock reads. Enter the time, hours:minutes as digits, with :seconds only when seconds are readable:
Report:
2:41:01
